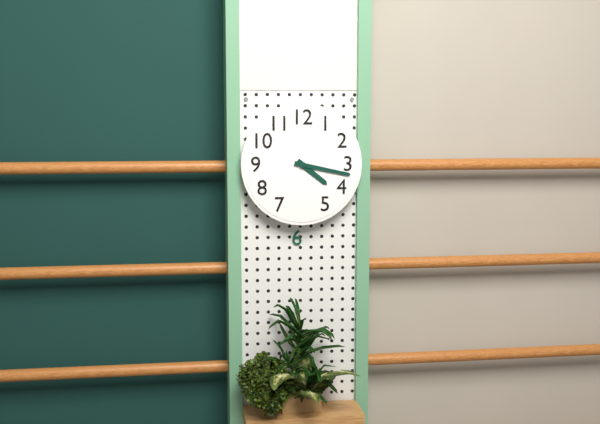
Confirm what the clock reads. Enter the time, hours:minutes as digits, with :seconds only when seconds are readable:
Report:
4:17
